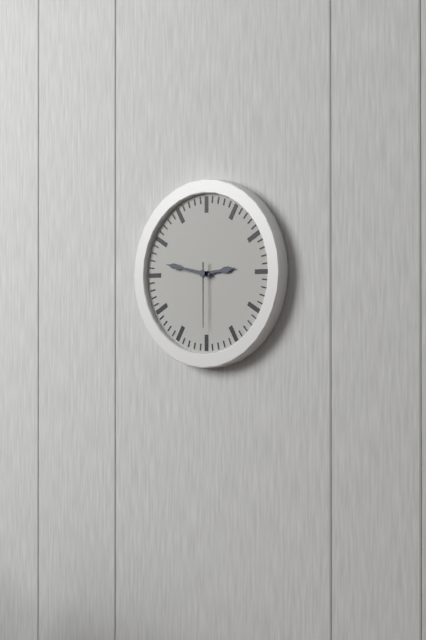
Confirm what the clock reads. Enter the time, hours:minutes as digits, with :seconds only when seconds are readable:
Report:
2:47:30
